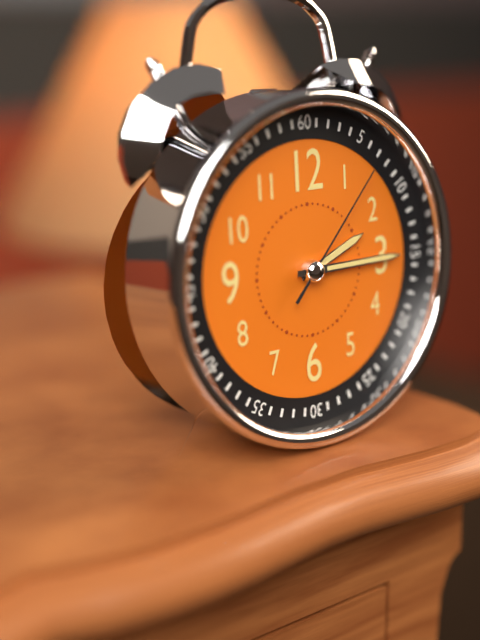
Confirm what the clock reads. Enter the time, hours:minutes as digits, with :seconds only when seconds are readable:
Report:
2:15:07
